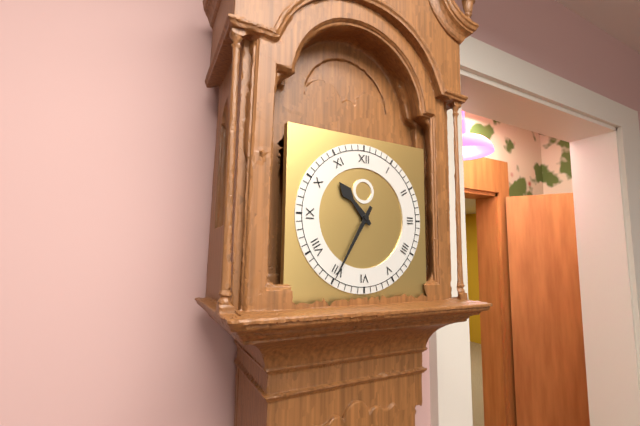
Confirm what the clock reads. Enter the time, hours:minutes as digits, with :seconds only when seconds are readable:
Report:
10:35
